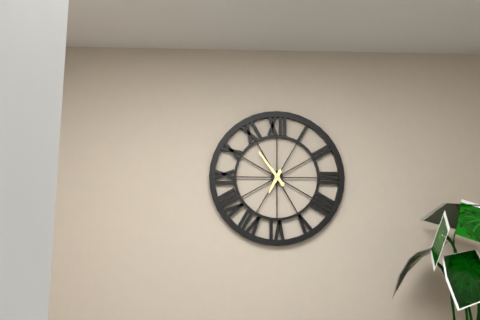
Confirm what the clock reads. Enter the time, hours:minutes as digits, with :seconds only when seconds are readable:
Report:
6:54
